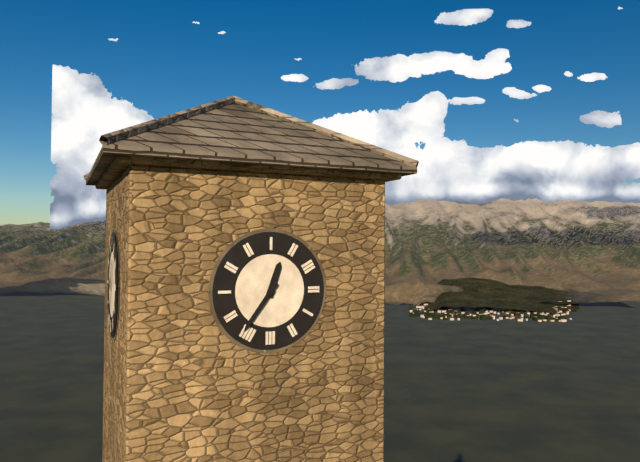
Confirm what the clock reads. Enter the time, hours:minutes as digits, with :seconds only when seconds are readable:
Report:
12:36
